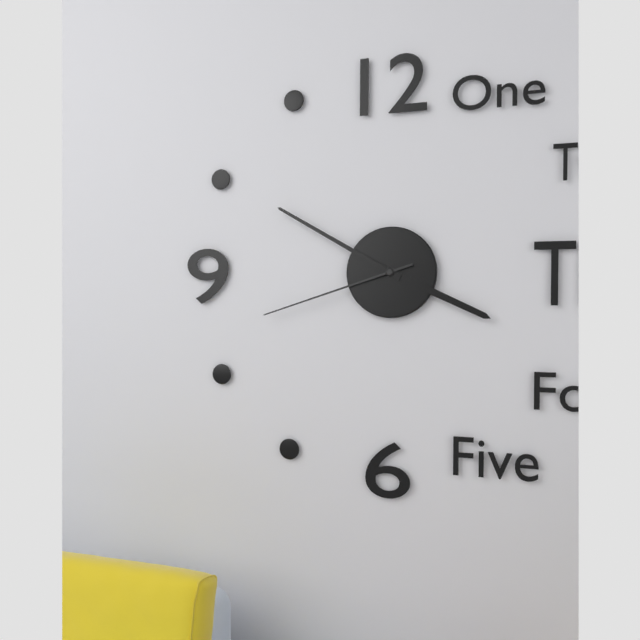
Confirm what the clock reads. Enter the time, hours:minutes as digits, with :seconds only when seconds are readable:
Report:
3:50:42
